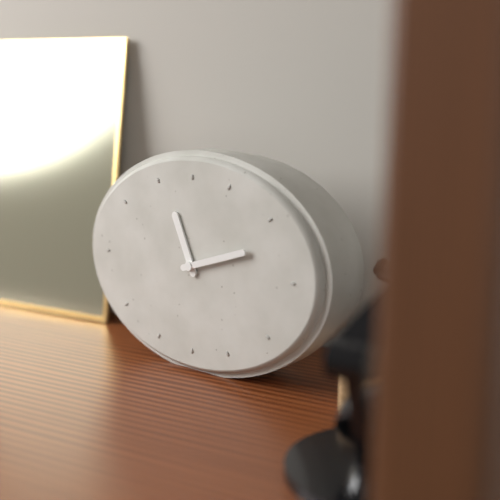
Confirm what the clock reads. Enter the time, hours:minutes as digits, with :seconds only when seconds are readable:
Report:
11:12
